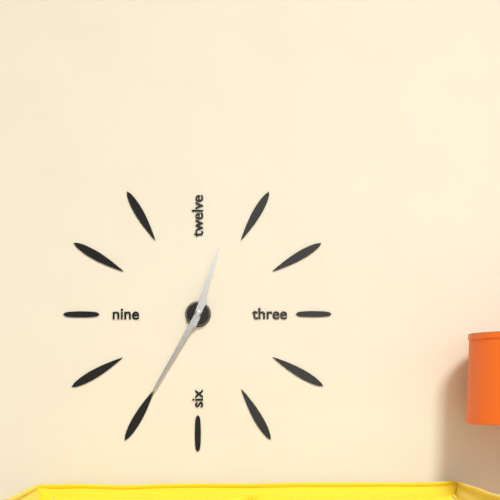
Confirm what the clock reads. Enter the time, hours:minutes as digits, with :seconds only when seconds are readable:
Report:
12:35
